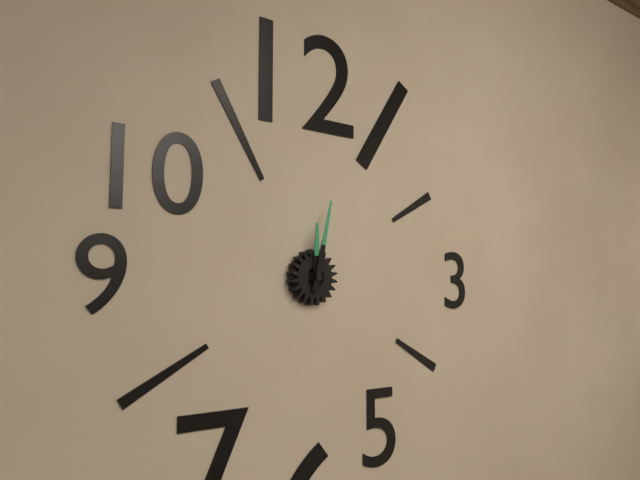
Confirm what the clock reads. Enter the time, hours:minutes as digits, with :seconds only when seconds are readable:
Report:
12:02
